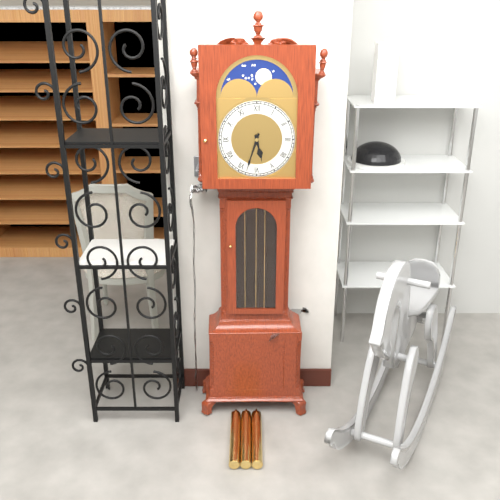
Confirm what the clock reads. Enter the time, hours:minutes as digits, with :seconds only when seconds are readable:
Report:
5:33
